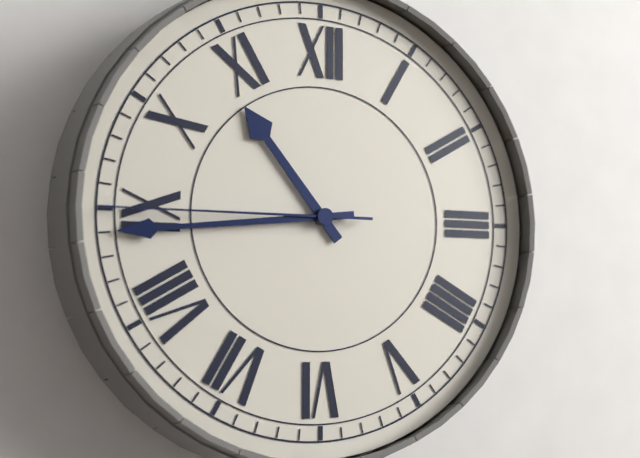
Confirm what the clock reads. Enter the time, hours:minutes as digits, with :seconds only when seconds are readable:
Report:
10:44:45
